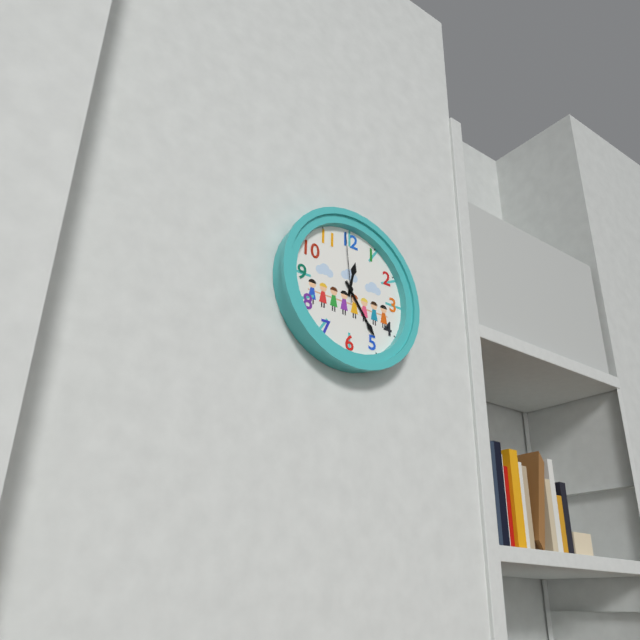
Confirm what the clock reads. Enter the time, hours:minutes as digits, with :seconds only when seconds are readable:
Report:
12:24:59
